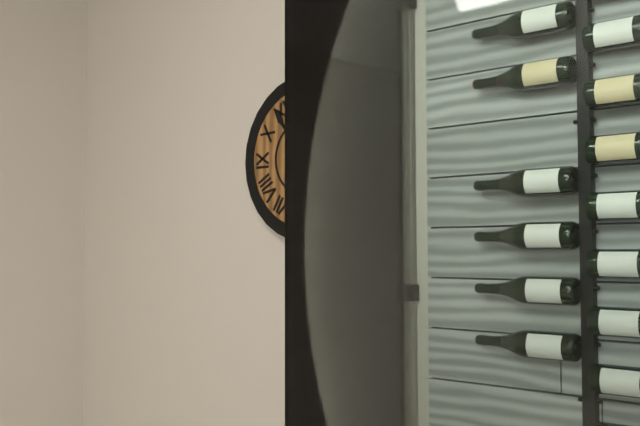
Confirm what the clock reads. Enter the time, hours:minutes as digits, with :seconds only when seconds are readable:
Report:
10:54
